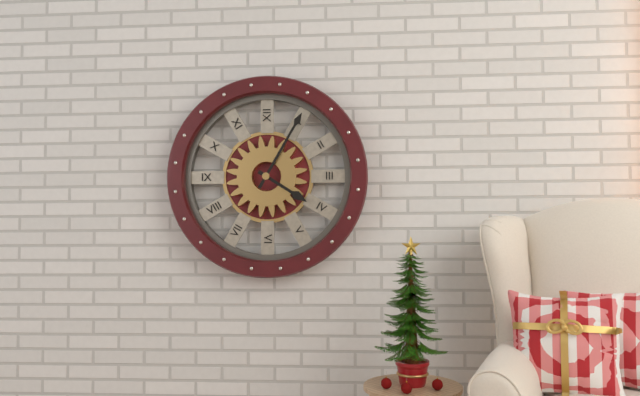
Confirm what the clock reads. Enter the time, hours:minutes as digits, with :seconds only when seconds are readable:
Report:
4:05
